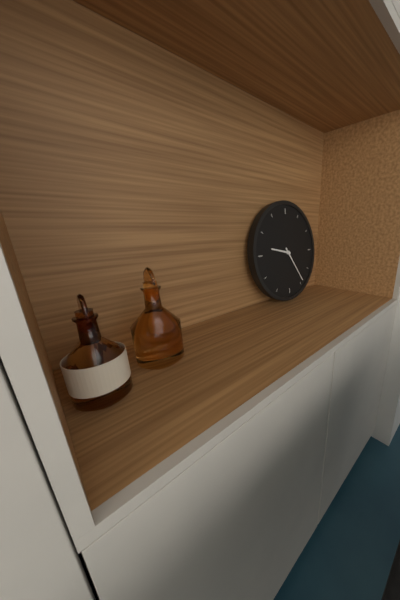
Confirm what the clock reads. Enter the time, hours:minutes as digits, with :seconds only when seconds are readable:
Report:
9:24
